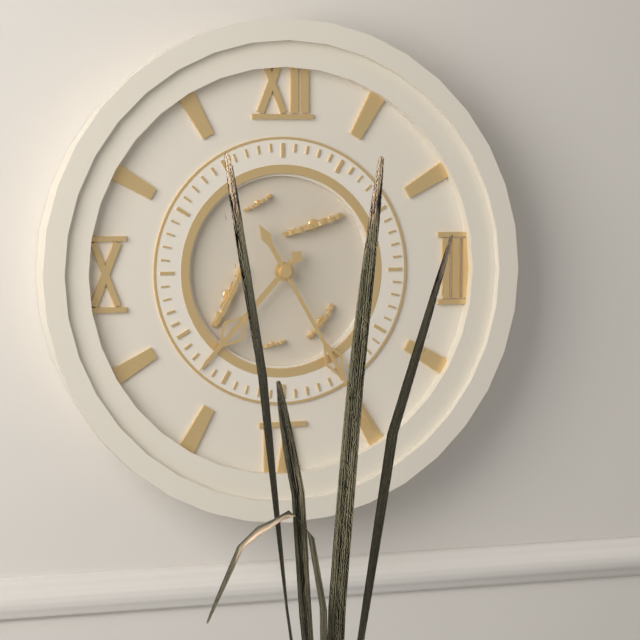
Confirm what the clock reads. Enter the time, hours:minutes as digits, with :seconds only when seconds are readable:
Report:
7:25
